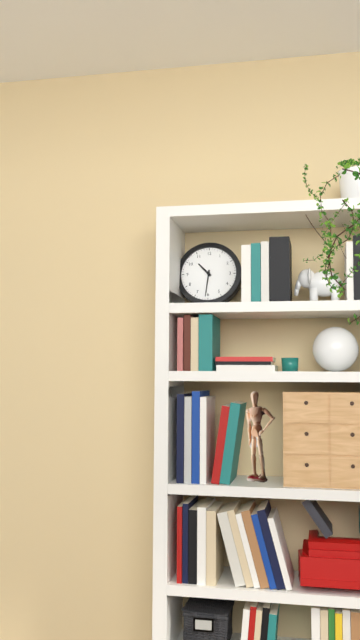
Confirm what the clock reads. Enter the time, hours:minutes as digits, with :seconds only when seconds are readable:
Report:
10:31
